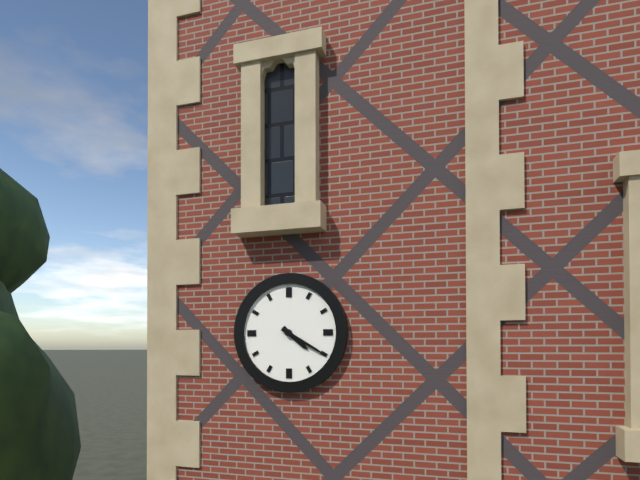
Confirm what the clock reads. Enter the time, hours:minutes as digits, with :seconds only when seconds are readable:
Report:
4:20
